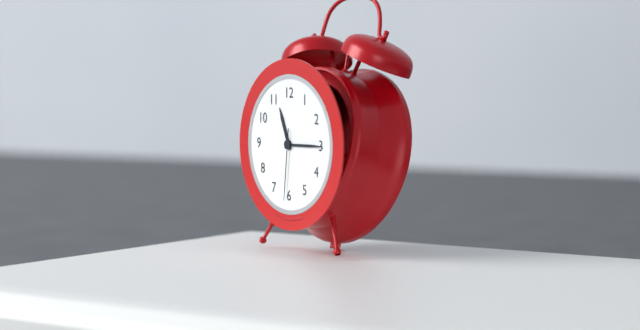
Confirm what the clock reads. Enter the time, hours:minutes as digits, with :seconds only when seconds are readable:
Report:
11:15:31
